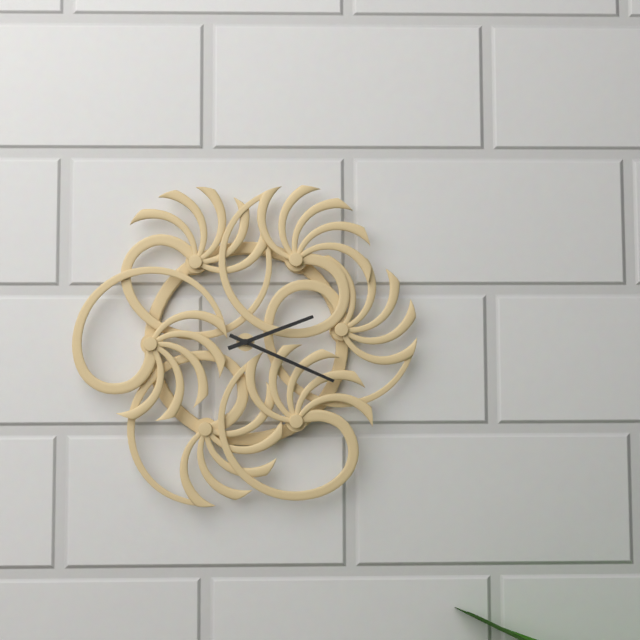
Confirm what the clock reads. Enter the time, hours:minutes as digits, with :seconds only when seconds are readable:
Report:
2:19
